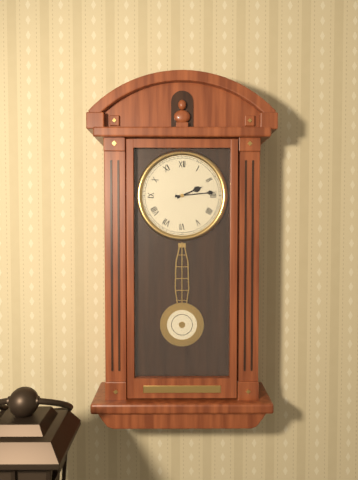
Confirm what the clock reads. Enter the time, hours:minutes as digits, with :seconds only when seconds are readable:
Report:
2:14
